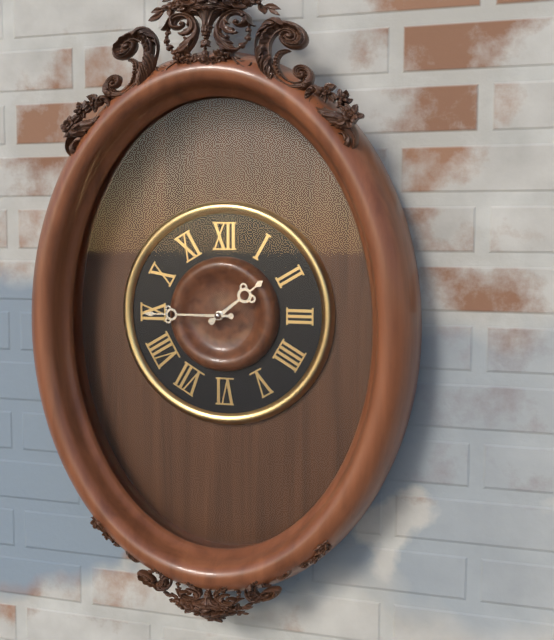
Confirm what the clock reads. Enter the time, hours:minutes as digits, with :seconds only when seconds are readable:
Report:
1:45
